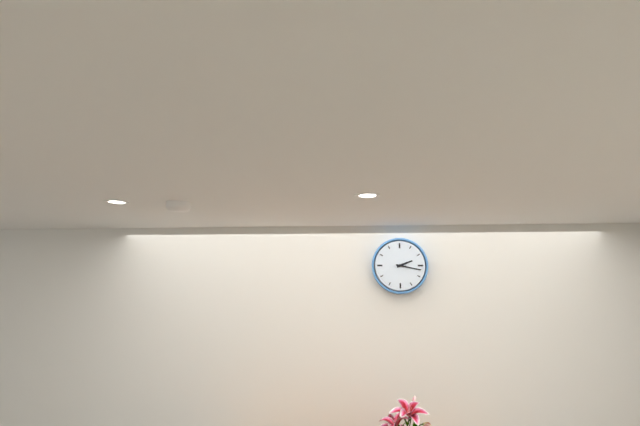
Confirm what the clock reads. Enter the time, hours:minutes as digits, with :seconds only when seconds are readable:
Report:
2:17
